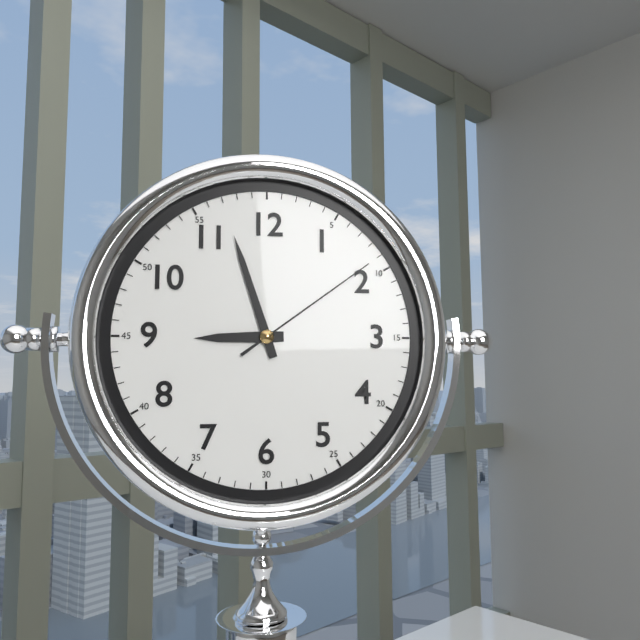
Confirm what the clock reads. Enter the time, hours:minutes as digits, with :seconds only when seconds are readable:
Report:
8:57:09
